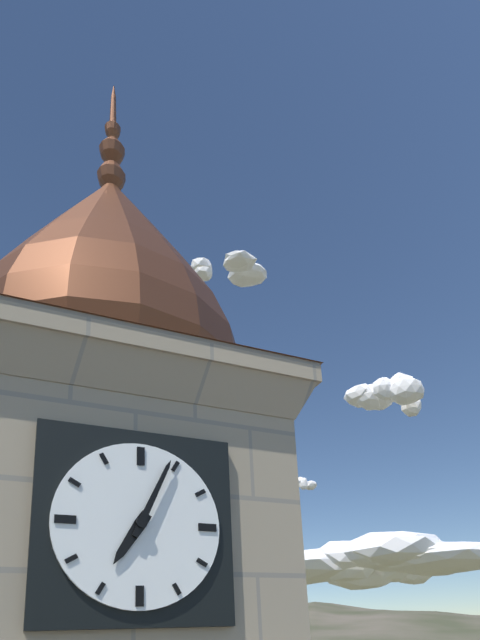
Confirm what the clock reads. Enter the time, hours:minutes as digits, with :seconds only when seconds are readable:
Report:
7:04
